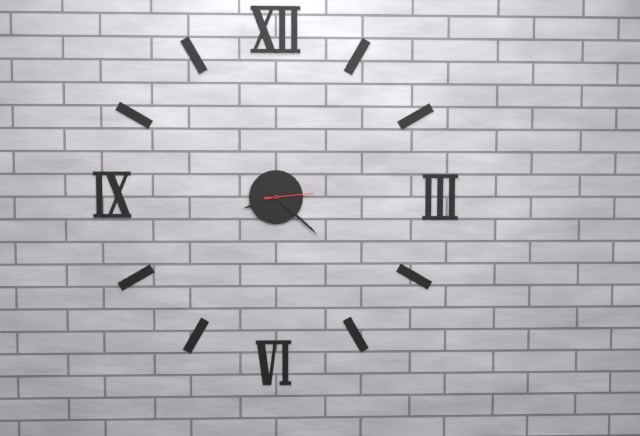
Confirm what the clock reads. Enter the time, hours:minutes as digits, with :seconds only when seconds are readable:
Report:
8:22
